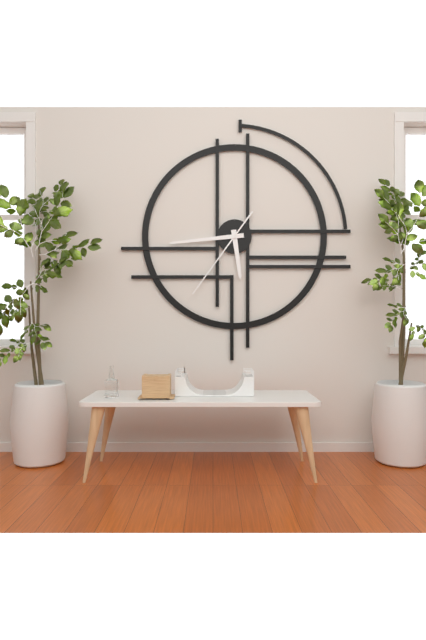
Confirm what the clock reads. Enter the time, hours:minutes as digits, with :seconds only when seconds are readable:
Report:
5:44:36
